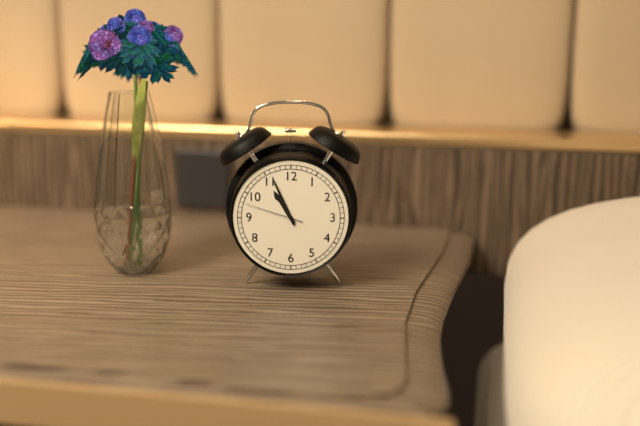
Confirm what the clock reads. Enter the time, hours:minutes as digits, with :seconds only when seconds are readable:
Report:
10:56:48
